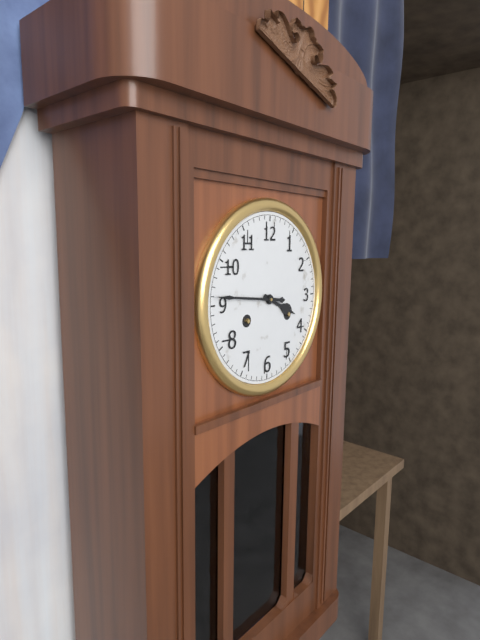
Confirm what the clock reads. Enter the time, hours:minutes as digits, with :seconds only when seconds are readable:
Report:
3:46
